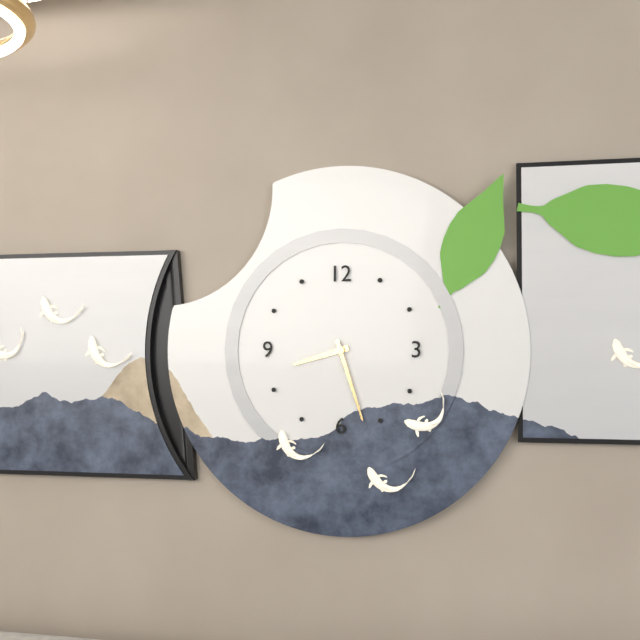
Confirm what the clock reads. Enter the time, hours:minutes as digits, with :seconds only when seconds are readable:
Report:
8:27
